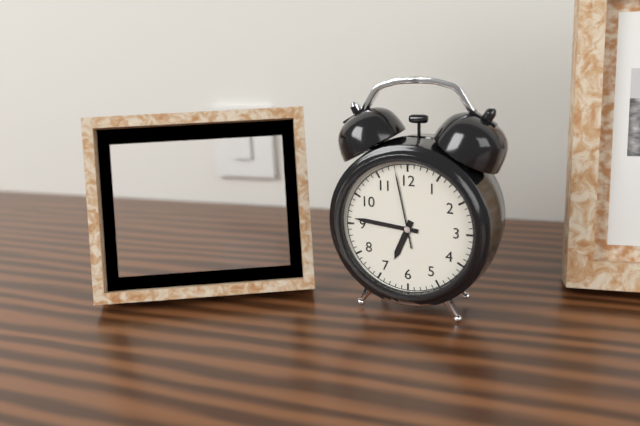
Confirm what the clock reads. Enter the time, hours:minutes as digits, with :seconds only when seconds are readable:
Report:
6:46:58
